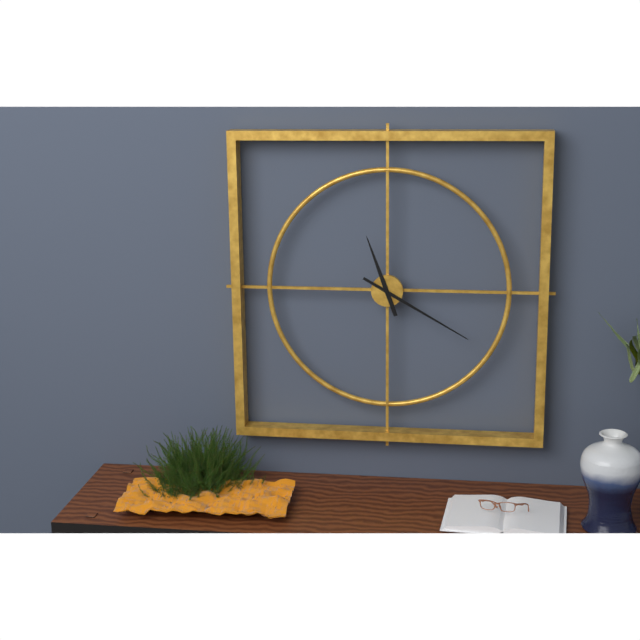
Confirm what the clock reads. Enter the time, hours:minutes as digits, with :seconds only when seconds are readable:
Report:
11:20
